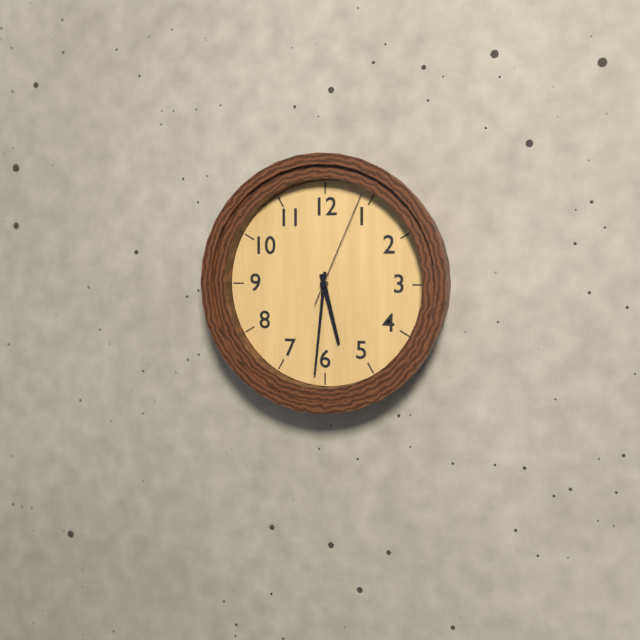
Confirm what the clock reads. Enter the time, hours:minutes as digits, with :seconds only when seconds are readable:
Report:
5:31:04
